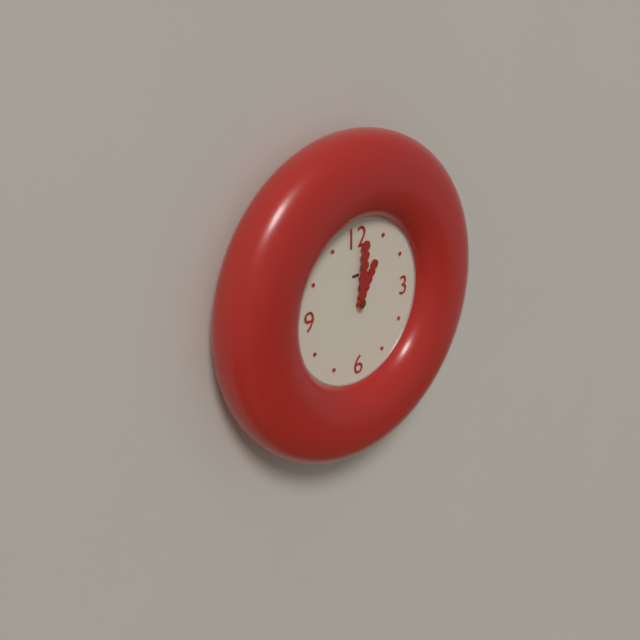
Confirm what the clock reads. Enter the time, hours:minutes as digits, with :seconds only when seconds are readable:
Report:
1:01
